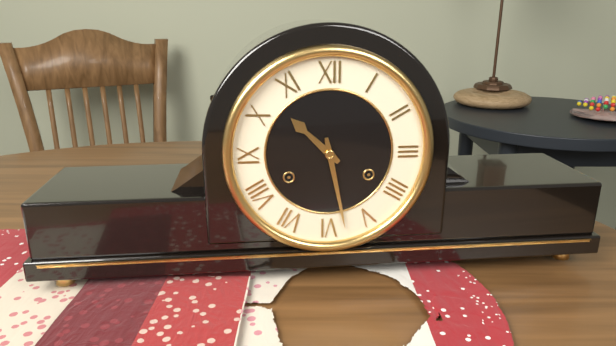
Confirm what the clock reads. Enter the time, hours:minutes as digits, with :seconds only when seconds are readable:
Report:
10:28
